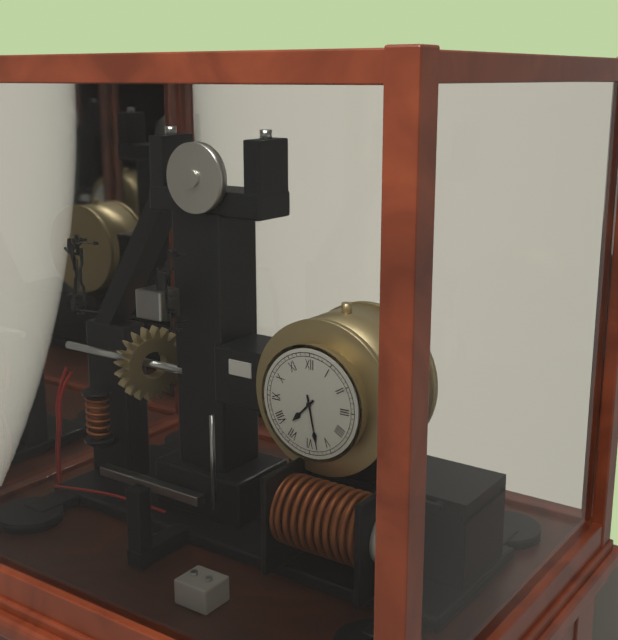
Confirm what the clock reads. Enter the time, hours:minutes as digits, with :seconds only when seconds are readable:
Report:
7:28
